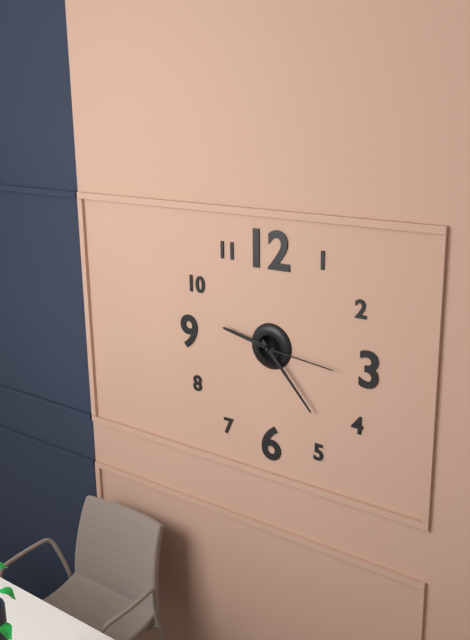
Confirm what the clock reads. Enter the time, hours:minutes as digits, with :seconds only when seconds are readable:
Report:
9:23:16
